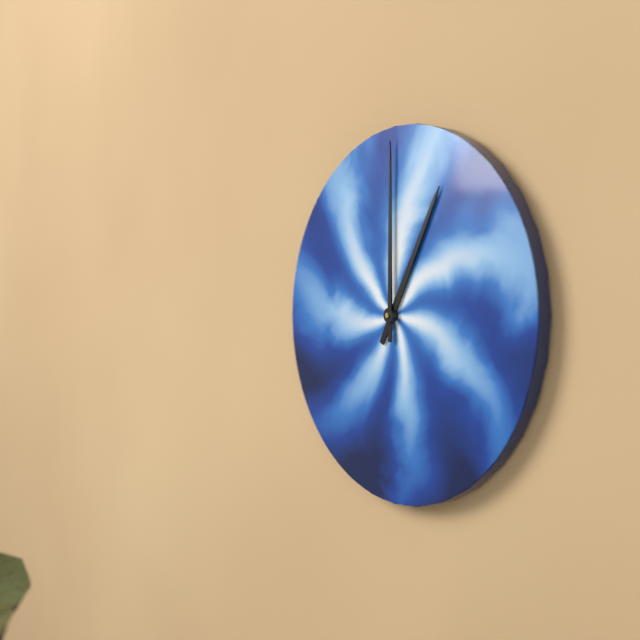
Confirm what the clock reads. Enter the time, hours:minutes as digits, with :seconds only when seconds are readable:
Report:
1:00
